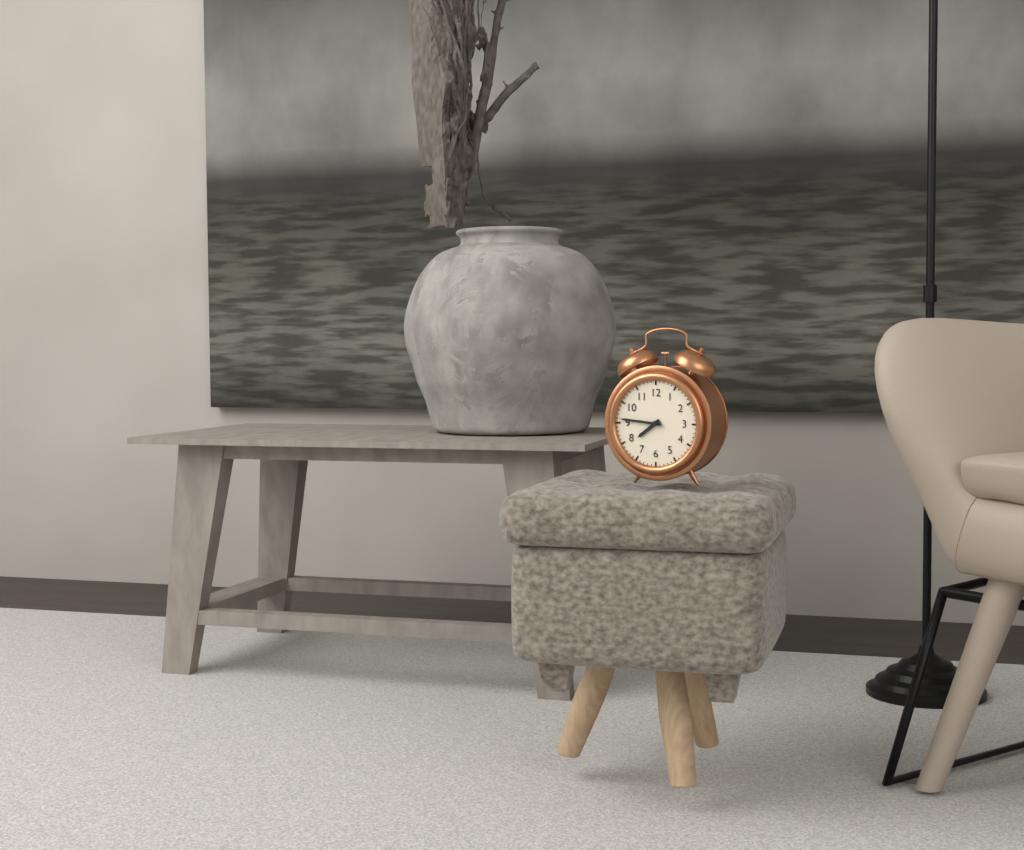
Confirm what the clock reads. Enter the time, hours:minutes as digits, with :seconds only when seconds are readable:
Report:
7:46
